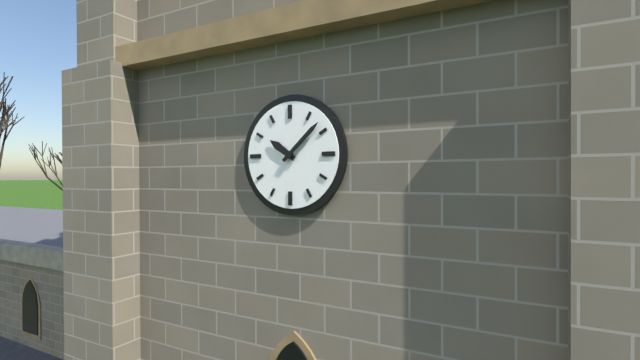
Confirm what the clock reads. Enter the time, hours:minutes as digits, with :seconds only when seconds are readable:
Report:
10:08
